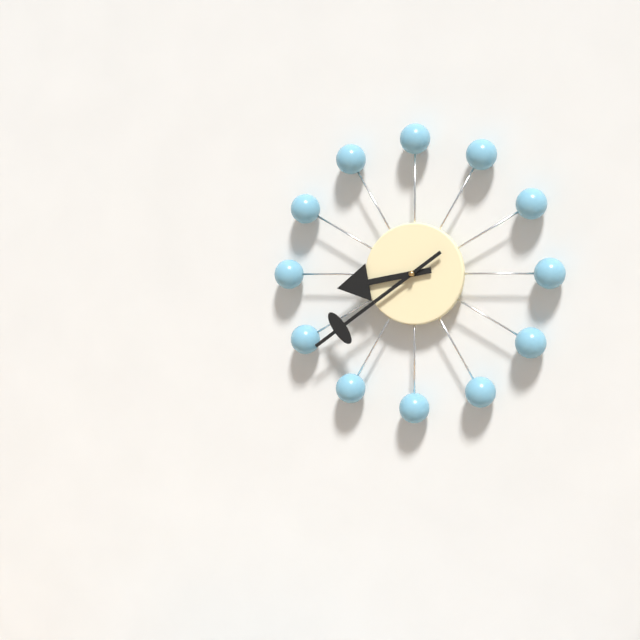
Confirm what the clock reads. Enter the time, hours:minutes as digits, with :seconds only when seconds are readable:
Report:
8:39
